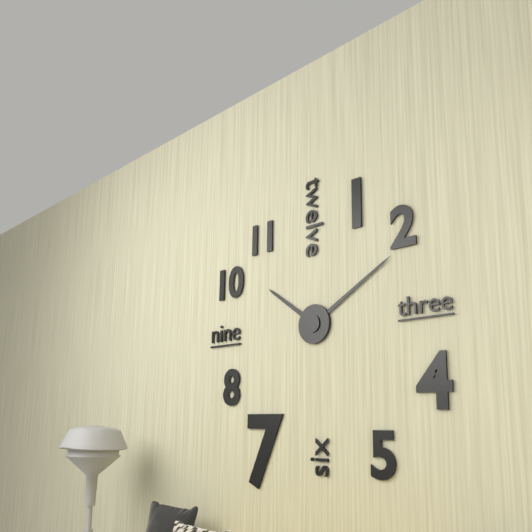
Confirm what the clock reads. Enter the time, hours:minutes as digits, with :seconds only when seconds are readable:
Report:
10:10
